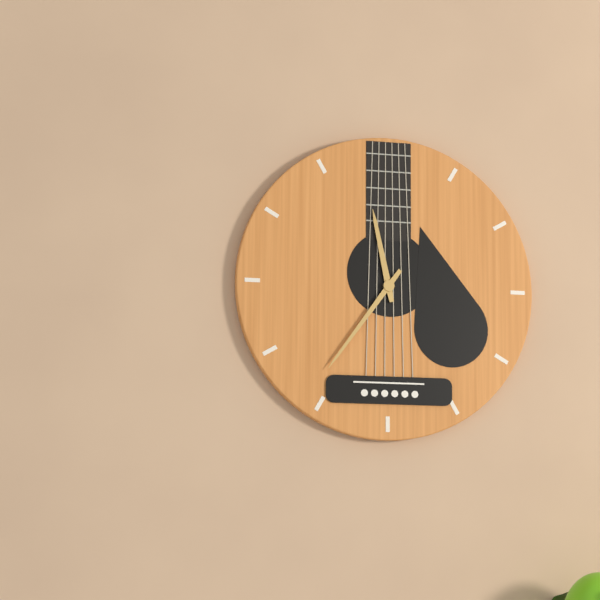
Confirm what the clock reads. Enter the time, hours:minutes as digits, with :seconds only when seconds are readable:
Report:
11:36
